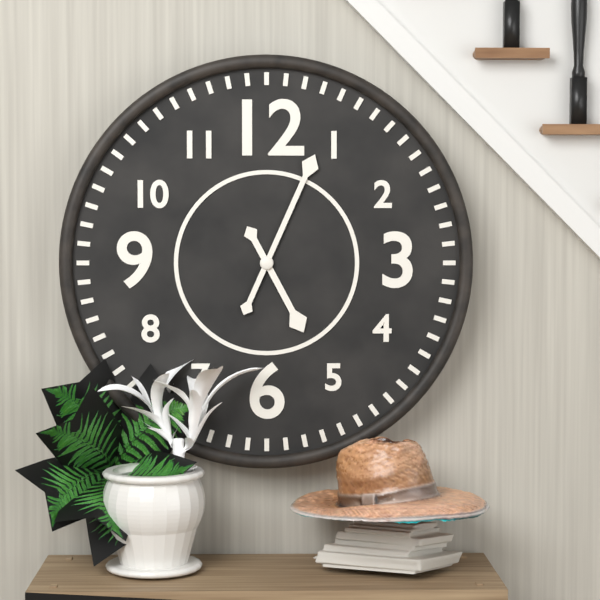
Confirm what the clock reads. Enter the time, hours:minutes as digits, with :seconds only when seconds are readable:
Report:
5:04
